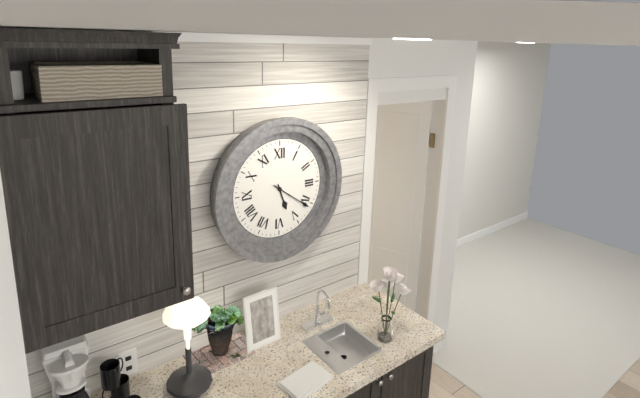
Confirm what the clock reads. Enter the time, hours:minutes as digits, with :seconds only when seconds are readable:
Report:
5:21
